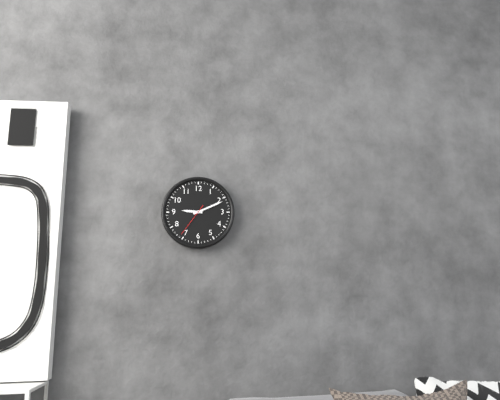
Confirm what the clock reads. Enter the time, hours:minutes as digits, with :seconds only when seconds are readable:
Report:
9:11
